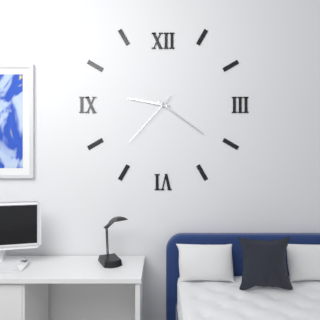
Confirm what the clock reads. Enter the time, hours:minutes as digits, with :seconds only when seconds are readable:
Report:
9:21:37
